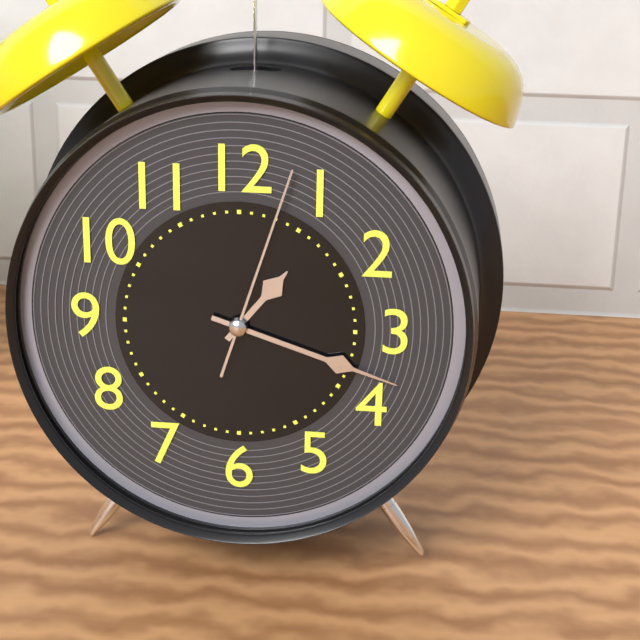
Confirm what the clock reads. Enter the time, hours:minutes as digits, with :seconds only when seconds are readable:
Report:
1:18:03
